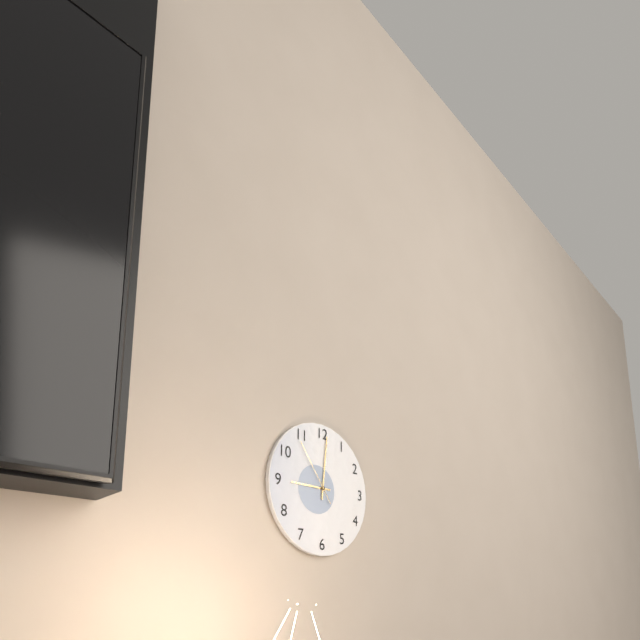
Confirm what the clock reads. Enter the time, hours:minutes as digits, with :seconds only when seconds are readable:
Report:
9:01:54
